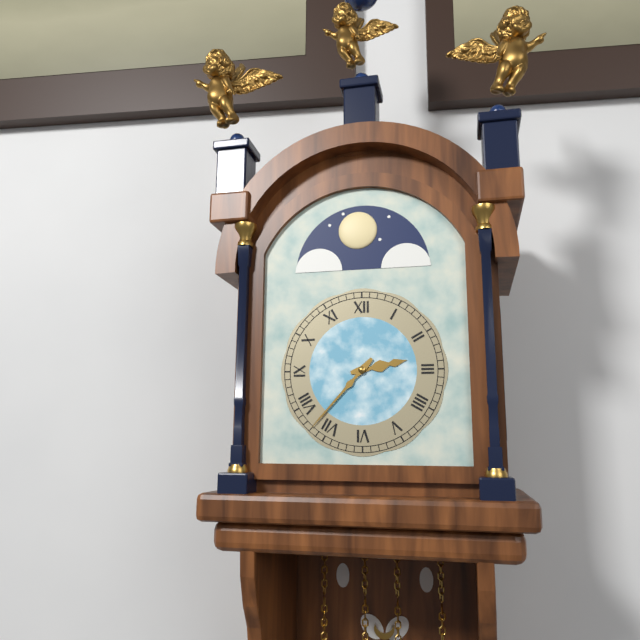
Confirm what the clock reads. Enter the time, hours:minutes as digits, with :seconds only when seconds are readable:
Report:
2:37
